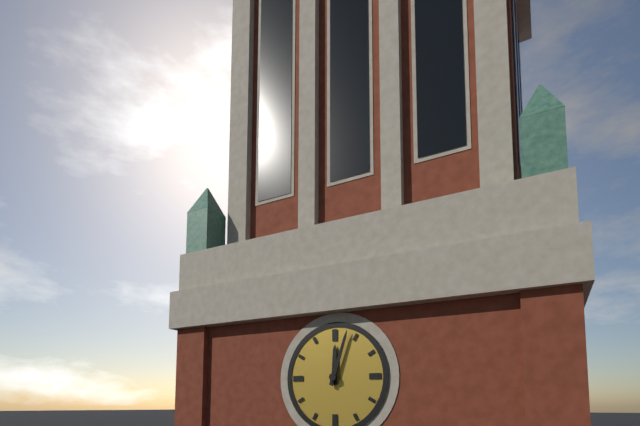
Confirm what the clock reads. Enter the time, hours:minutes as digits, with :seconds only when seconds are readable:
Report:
12:03
